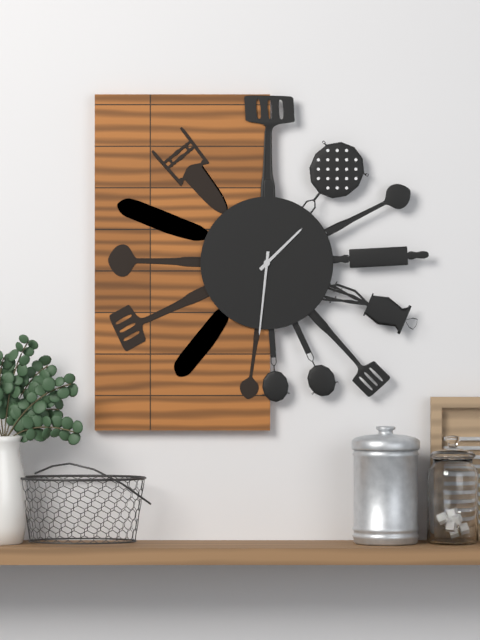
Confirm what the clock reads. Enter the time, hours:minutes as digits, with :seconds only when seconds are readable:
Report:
1:31
